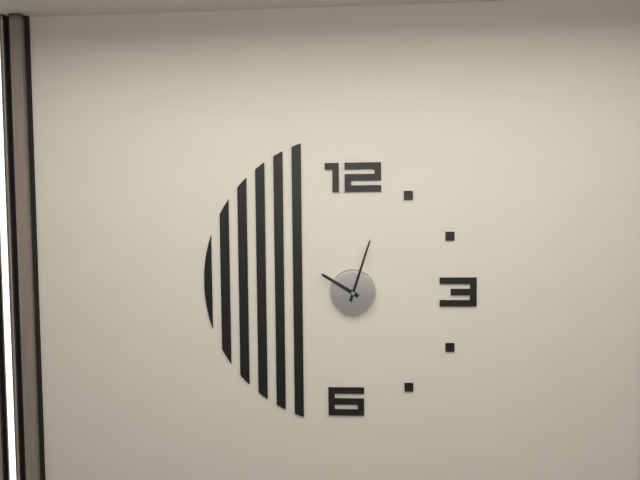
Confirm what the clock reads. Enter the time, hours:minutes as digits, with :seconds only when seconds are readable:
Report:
10:03
